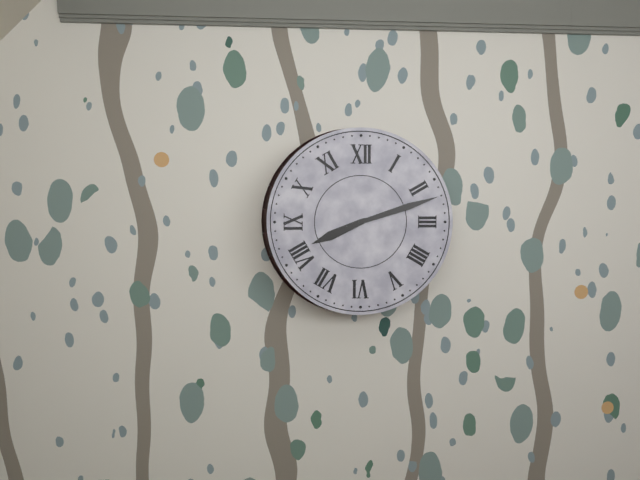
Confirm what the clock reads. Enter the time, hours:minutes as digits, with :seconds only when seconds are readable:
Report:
8:12
